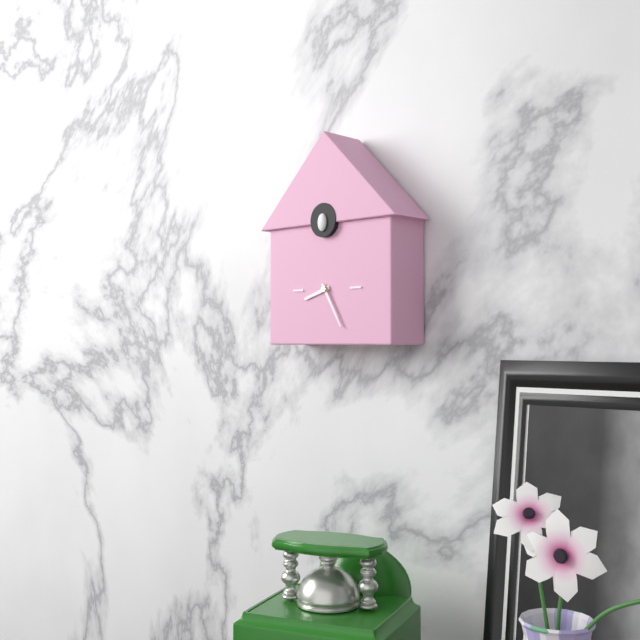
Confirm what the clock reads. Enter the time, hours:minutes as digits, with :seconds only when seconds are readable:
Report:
8:25
